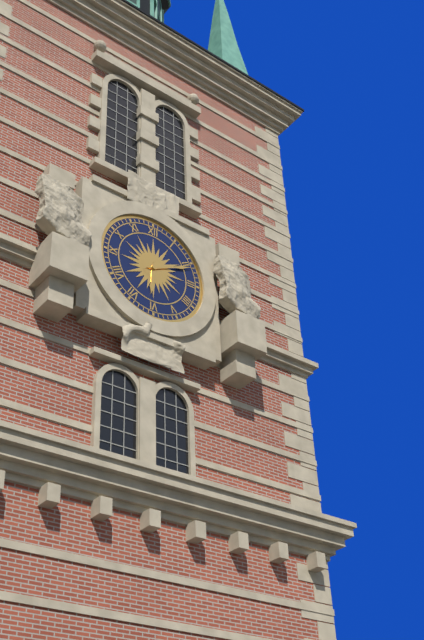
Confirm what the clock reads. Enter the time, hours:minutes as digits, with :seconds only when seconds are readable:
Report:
6:11
